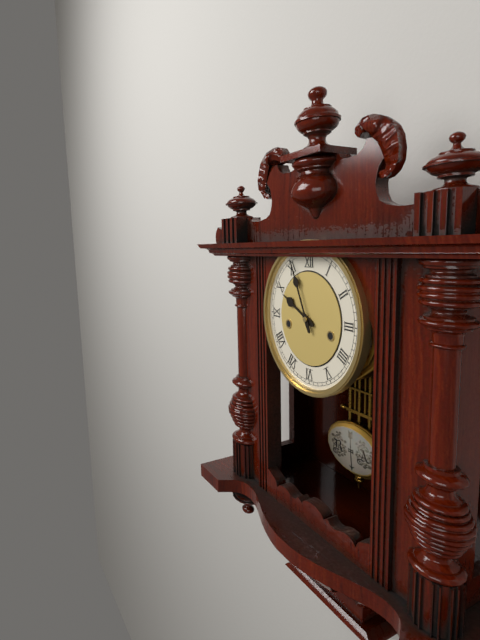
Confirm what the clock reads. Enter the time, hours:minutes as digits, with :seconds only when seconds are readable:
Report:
9:56
